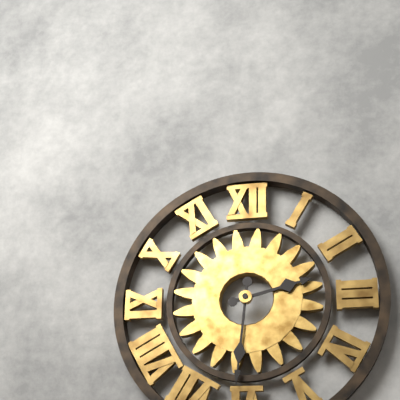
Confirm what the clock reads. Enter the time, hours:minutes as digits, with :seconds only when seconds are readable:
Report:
2:31
